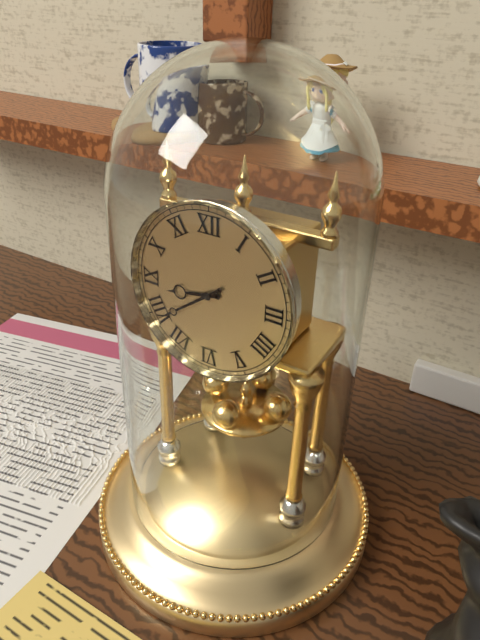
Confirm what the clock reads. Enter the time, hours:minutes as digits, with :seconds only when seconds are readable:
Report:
8:39
